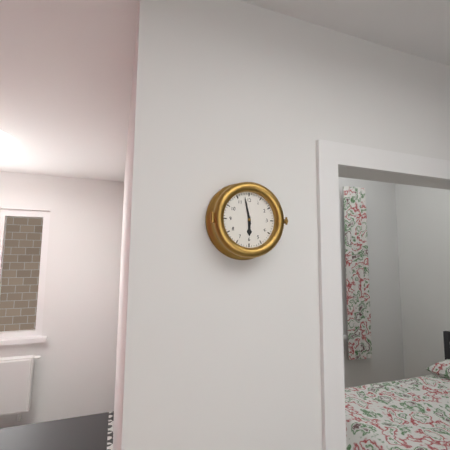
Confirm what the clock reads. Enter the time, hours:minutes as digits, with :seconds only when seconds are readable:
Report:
5:58
